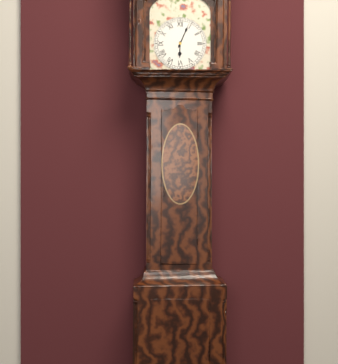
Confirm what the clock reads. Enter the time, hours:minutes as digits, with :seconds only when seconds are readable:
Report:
6:04
